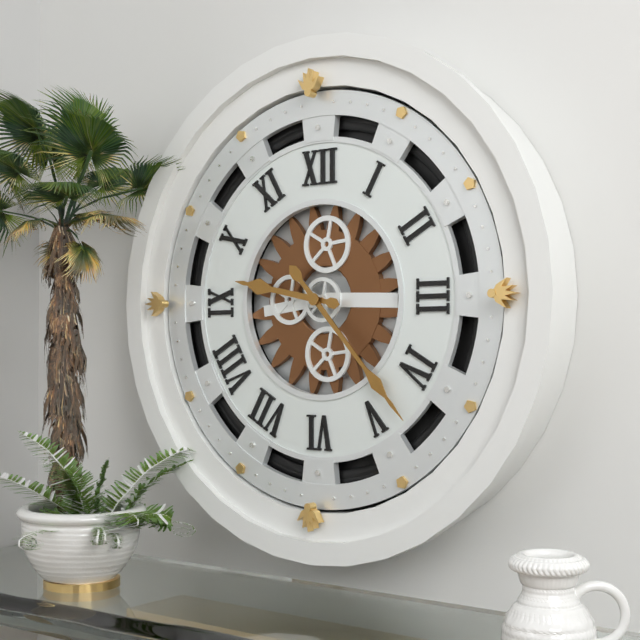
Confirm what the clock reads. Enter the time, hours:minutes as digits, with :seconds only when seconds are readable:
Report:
9:23
